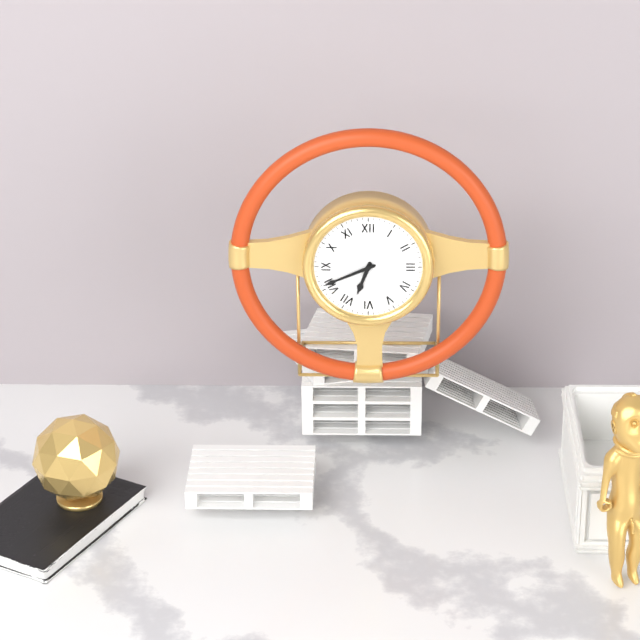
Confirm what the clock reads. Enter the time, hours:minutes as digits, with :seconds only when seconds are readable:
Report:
6:41
